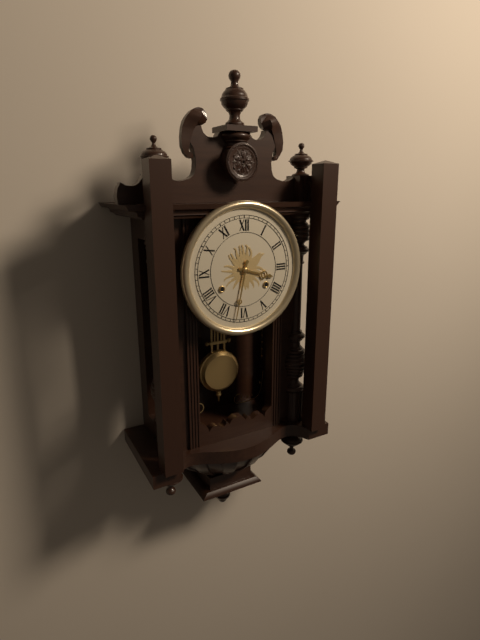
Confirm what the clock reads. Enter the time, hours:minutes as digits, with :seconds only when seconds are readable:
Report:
3:32
